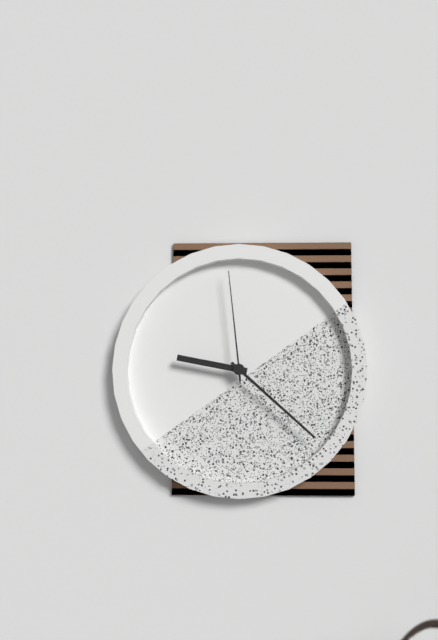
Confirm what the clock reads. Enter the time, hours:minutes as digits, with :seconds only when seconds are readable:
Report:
9:22:59
